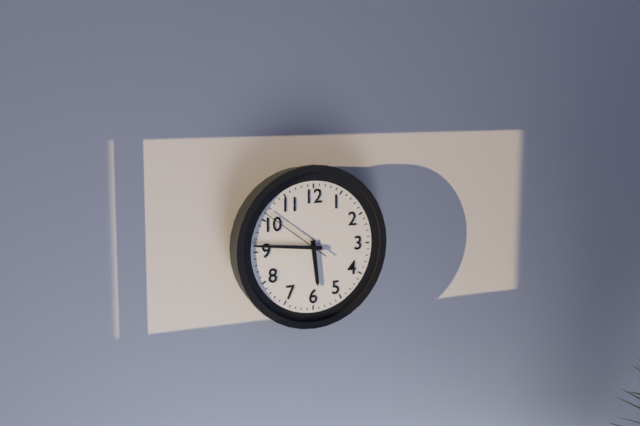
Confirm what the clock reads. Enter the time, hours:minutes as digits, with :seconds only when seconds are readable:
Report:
5:46:51
